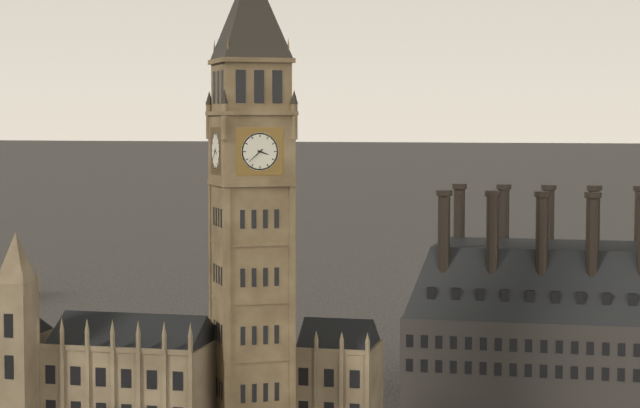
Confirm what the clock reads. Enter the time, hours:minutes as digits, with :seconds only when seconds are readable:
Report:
3:38
